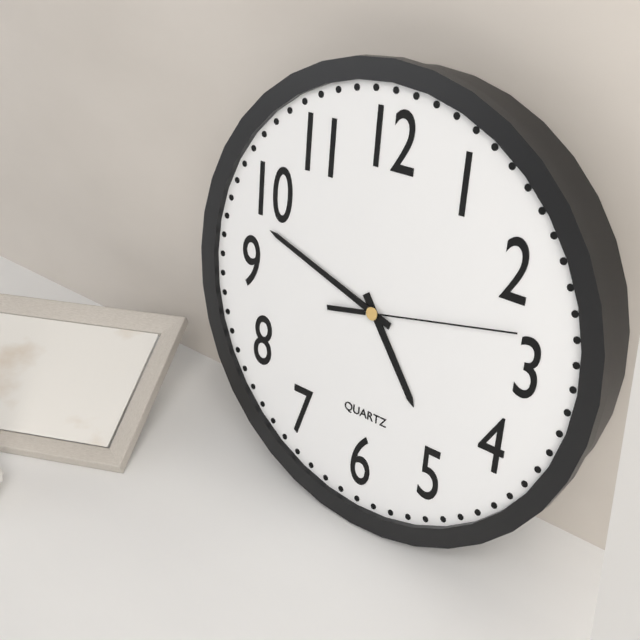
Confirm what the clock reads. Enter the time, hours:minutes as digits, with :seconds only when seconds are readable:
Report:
4:48:13
